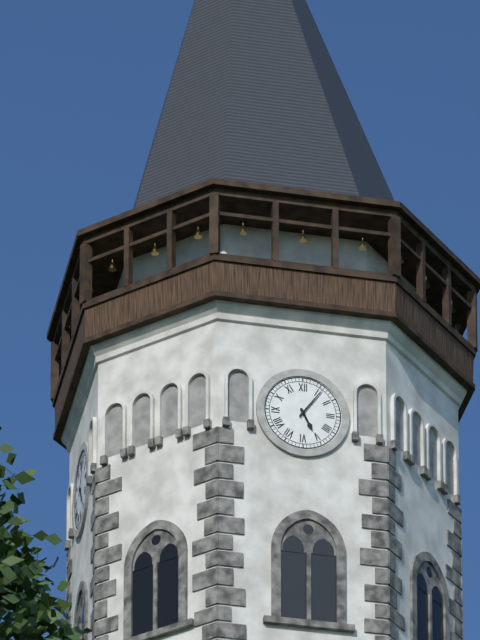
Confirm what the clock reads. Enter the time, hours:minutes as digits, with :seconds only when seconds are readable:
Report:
5:06
